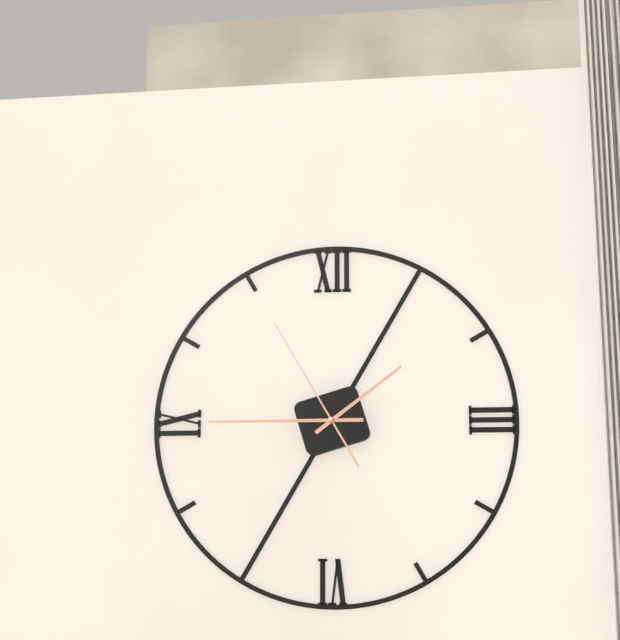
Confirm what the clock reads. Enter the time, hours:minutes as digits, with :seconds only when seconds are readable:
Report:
1:45:55
